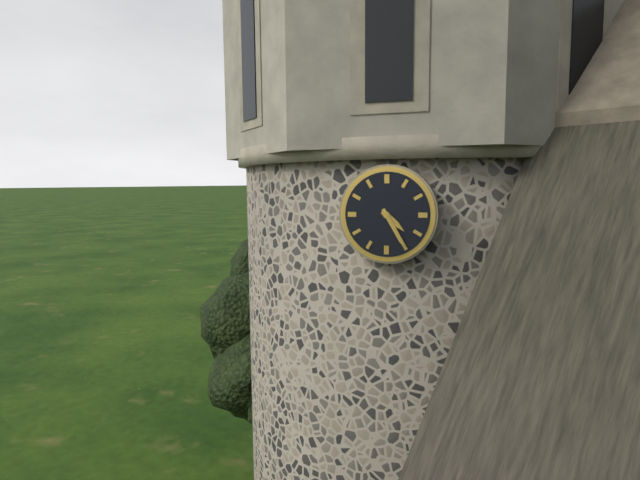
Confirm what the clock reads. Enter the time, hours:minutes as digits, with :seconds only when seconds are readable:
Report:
4:25
